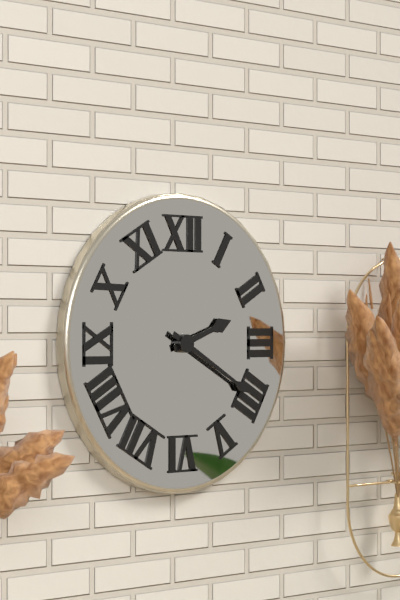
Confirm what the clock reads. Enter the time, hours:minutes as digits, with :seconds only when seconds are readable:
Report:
2:20
